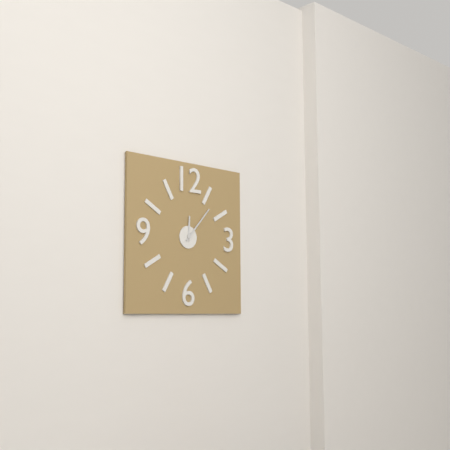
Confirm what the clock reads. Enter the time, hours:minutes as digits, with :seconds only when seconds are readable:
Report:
12:07
